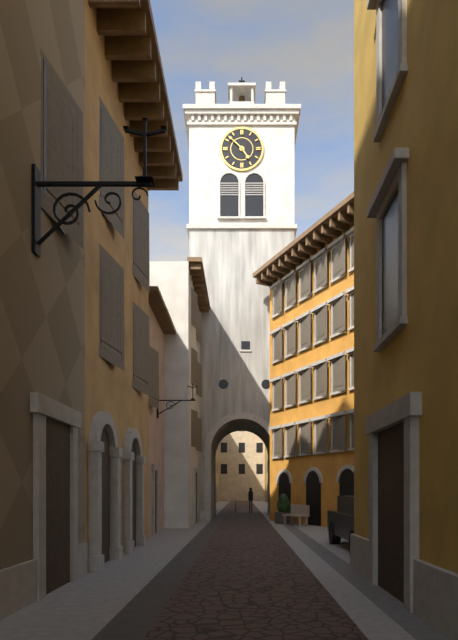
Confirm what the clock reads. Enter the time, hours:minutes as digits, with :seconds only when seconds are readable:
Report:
4:52
